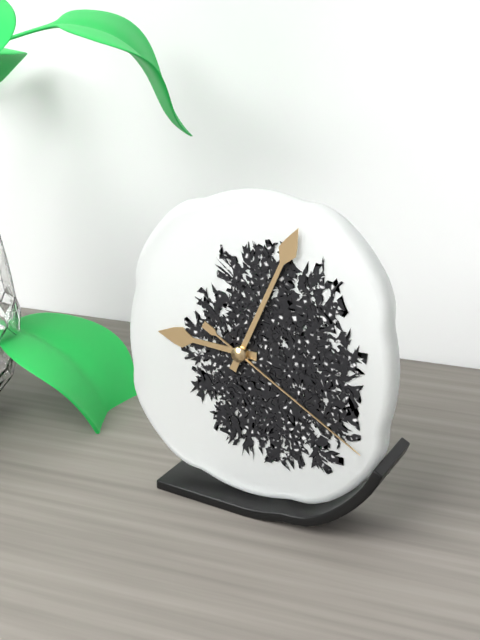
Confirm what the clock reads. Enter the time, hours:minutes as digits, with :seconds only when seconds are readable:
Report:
9:04:20
